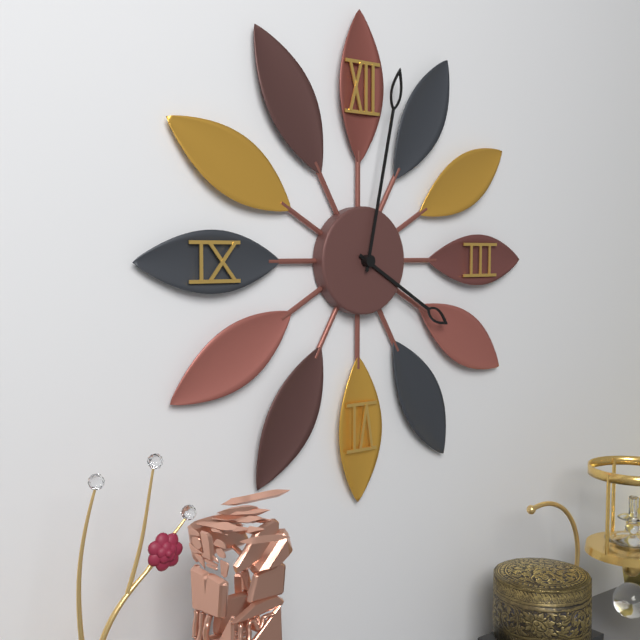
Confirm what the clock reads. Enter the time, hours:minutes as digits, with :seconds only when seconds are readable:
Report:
4:02
